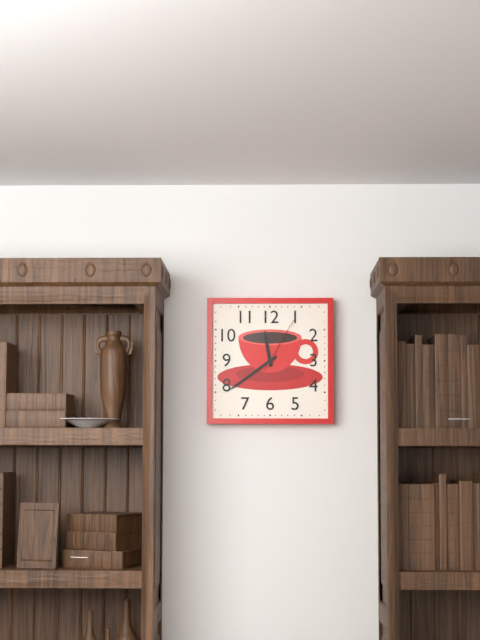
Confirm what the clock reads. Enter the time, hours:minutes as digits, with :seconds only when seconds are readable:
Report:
11:39:05
